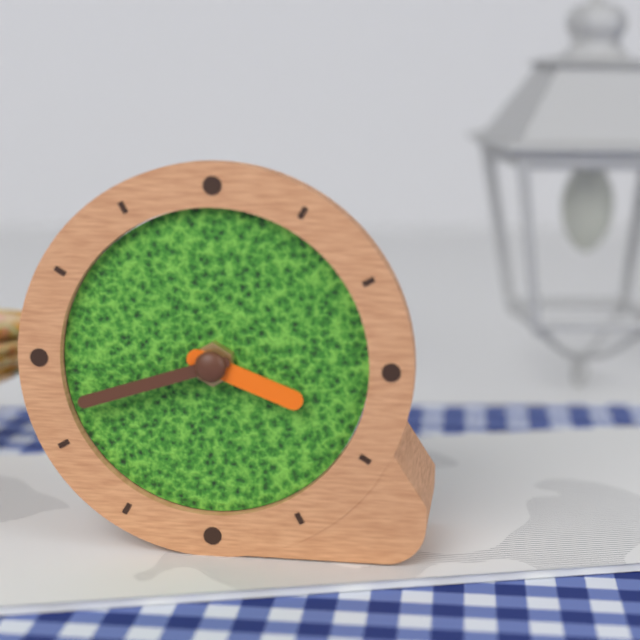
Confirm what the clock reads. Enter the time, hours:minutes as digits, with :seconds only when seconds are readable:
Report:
3:42
